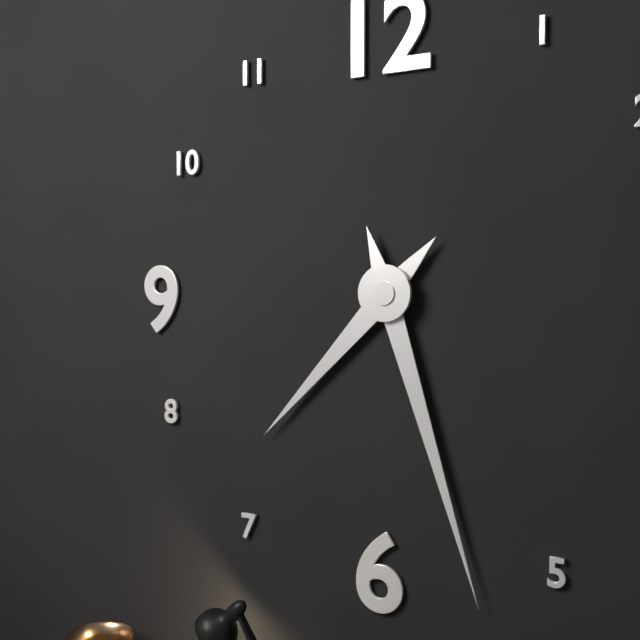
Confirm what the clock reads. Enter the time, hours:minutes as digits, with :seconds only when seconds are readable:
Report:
7:27
